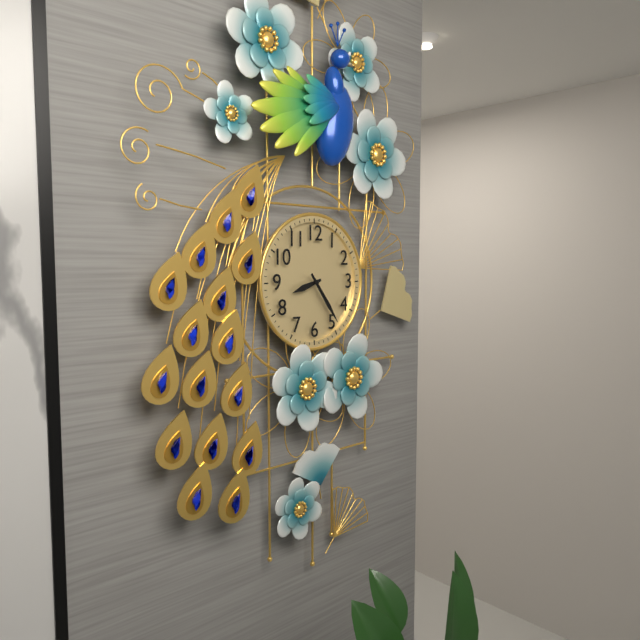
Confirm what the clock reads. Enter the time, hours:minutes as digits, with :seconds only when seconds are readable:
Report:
8:24
